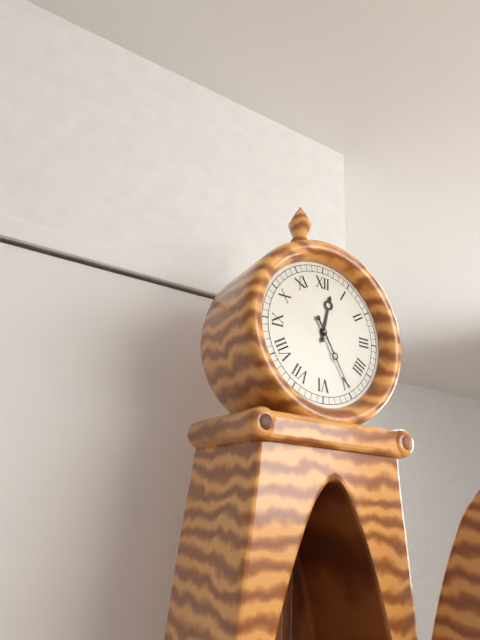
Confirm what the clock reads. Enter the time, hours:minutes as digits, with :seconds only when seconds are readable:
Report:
12:25
